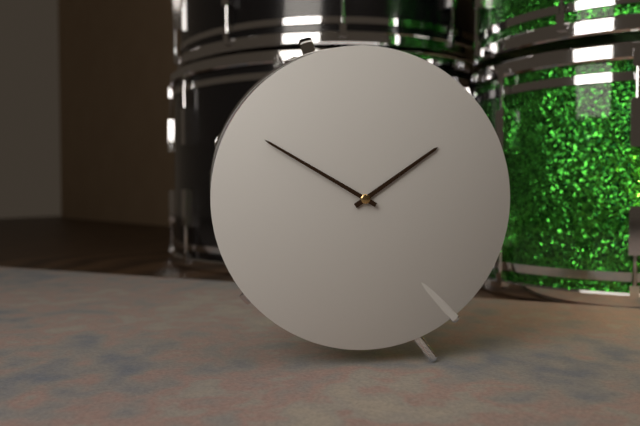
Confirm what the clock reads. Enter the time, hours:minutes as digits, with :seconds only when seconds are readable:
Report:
1:50
